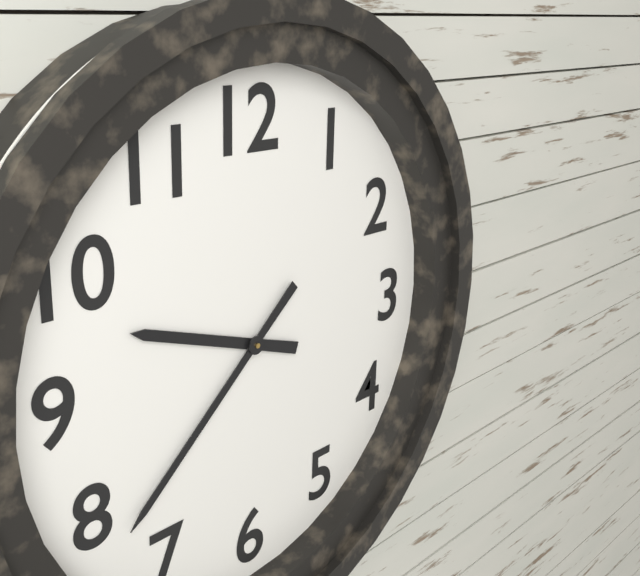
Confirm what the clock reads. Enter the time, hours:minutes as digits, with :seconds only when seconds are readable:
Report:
9:38
